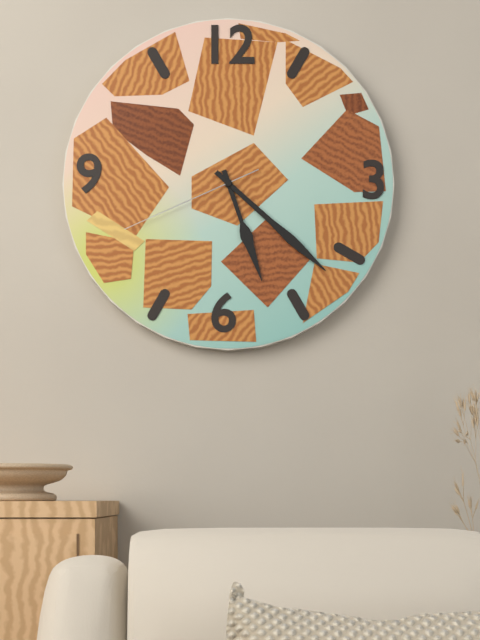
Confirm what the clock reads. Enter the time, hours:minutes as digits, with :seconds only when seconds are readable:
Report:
5:22:41
